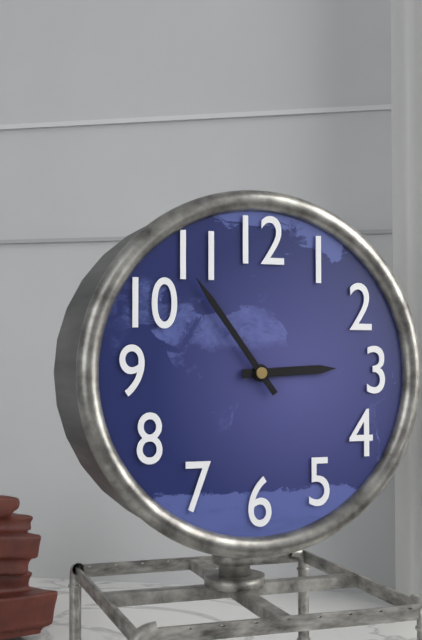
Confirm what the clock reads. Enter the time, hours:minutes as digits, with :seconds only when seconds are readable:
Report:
2:54
